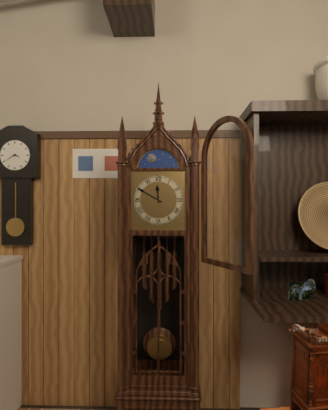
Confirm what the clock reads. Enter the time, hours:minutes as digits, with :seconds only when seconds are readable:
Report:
11:50
